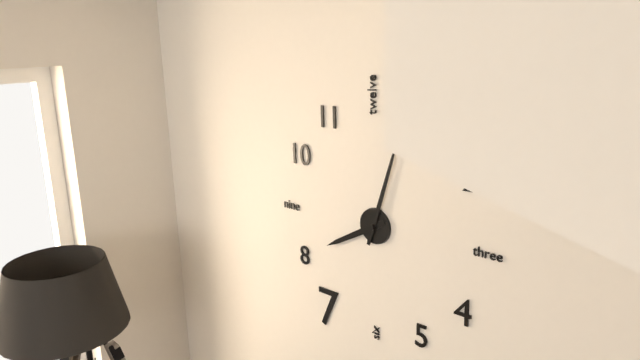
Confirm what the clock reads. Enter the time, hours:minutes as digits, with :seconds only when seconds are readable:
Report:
8:03
